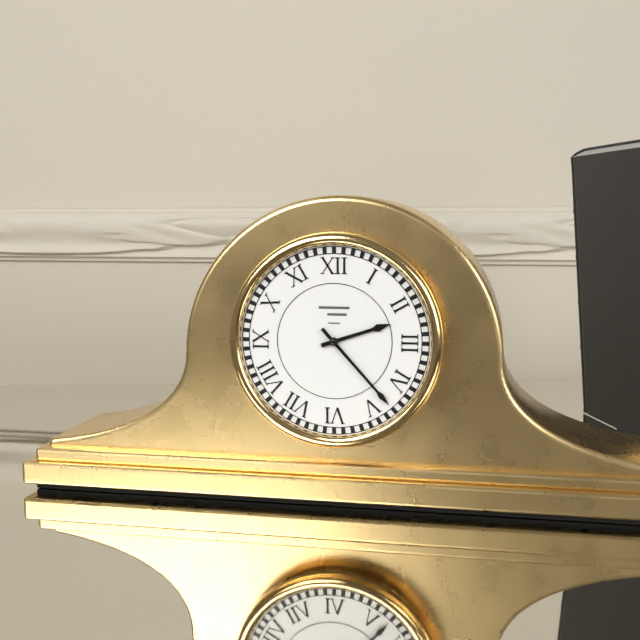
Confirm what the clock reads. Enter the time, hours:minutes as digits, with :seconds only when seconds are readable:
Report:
2:23
